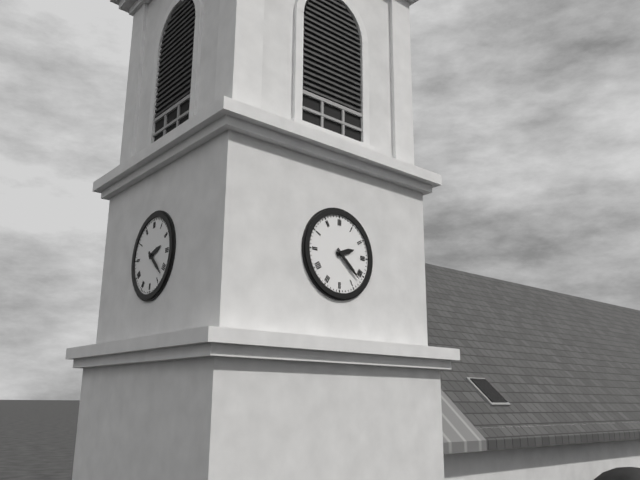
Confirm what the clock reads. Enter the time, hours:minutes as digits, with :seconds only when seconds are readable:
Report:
2:22
